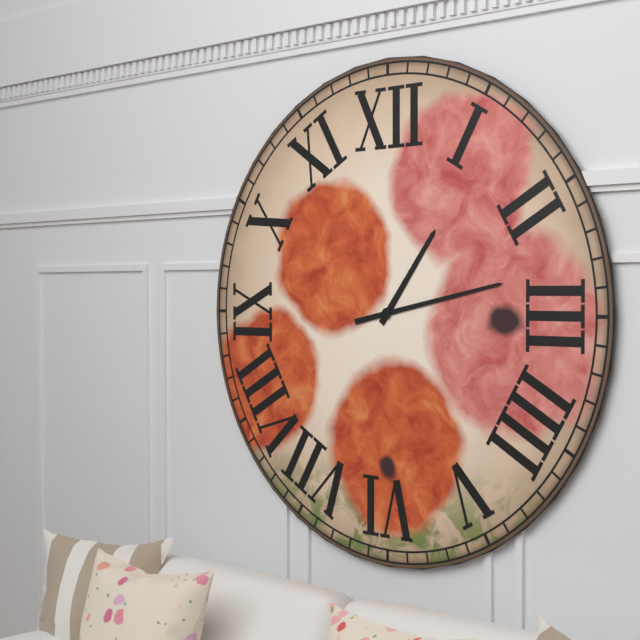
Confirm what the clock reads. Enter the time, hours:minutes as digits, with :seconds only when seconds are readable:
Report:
1:13
